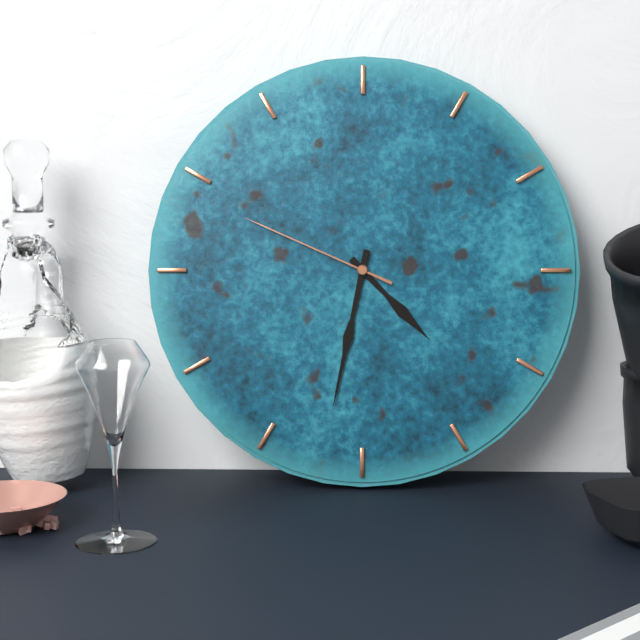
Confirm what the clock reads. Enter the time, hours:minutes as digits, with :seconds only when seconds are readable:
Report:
4:32:49
